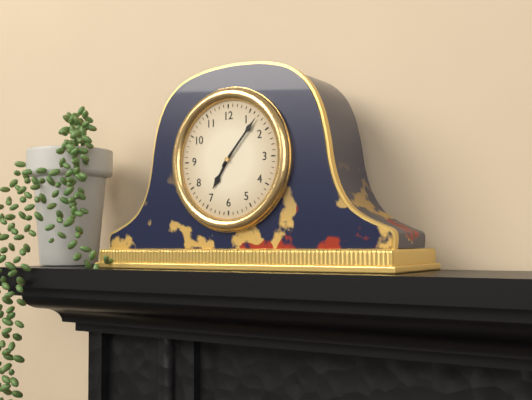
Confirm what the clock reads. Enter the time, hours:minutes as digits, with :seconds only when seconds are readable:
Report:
7:07
